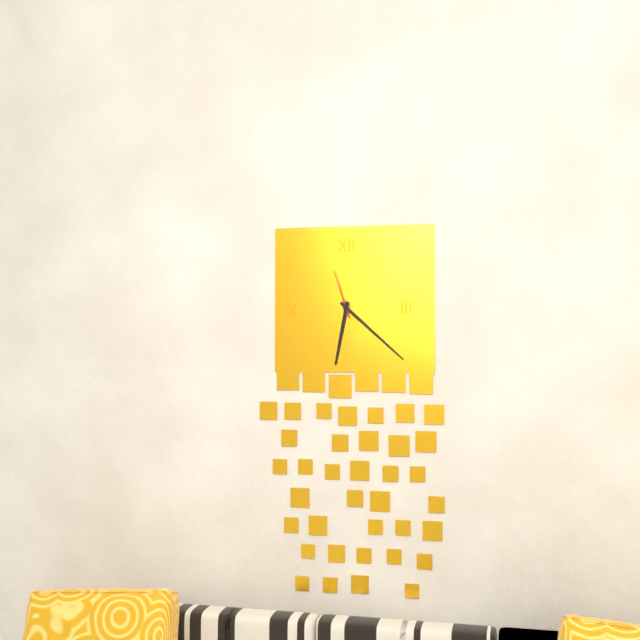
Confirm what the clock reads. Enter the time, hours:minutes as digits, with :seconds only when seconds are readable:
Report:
6:22
